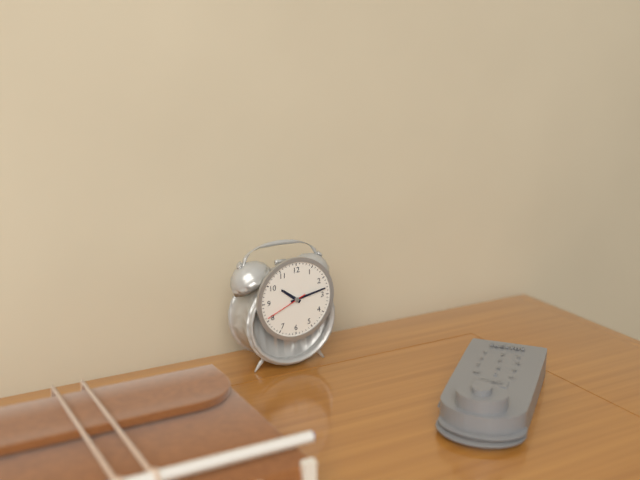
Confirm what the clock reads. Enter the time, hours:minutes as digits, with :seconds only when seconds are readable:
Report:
10:13
